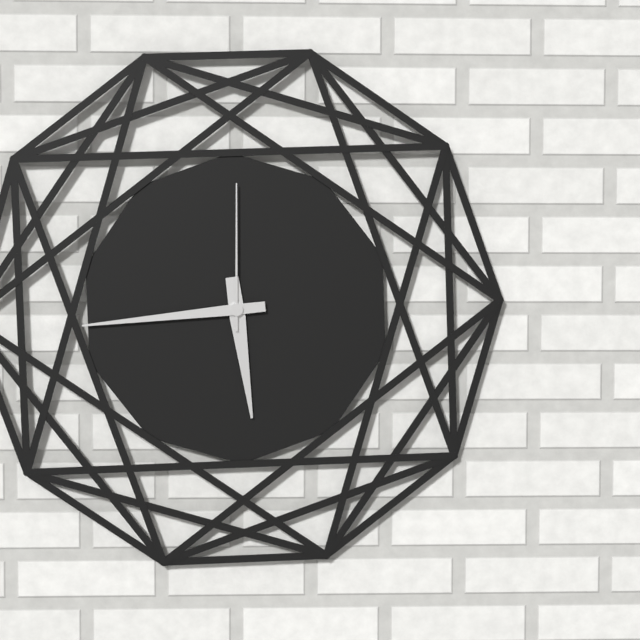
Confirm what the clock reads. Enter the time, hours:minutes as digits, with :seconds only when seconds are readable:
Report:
5:44:00
